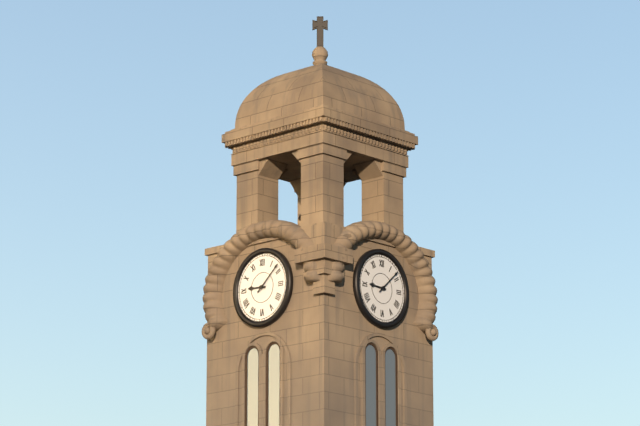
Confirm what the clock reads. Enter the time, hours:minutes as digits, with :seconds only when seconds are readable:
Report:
9:08
